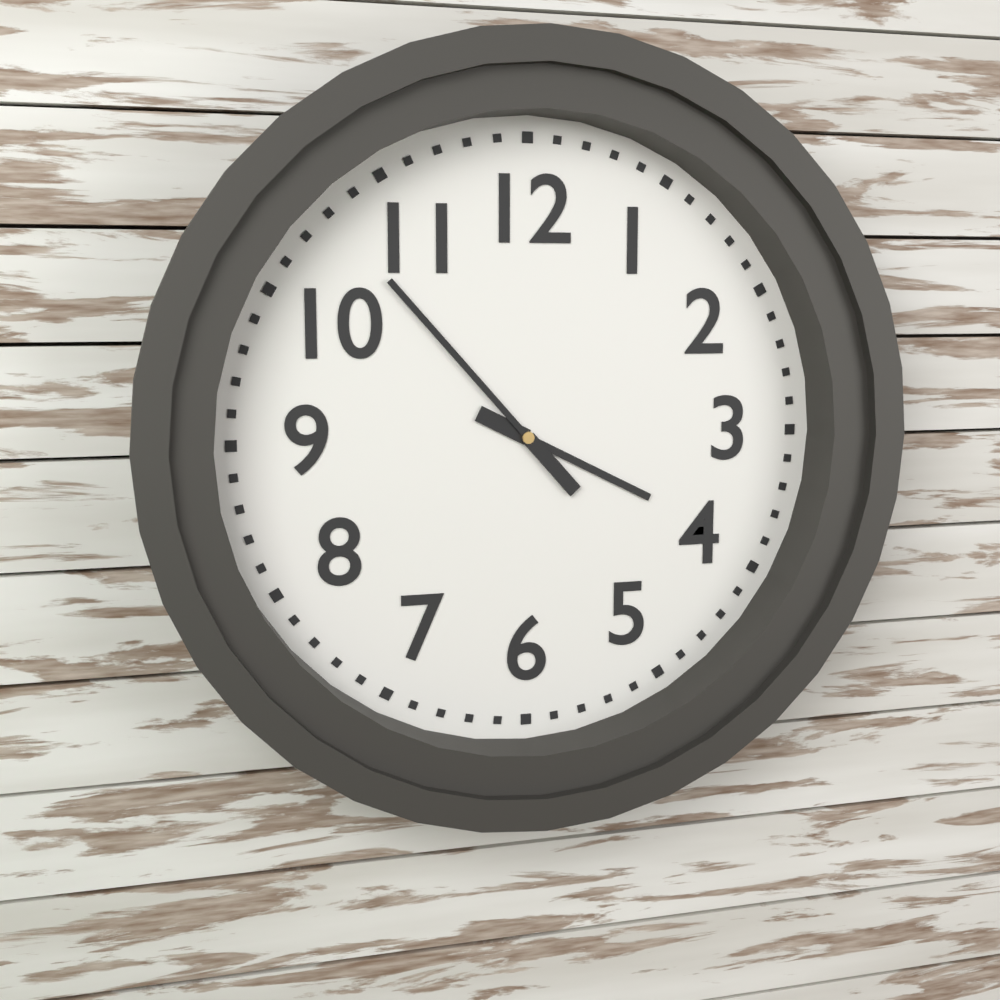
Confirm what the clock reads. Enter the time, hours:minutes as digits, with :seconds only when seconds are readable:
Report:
3:53
